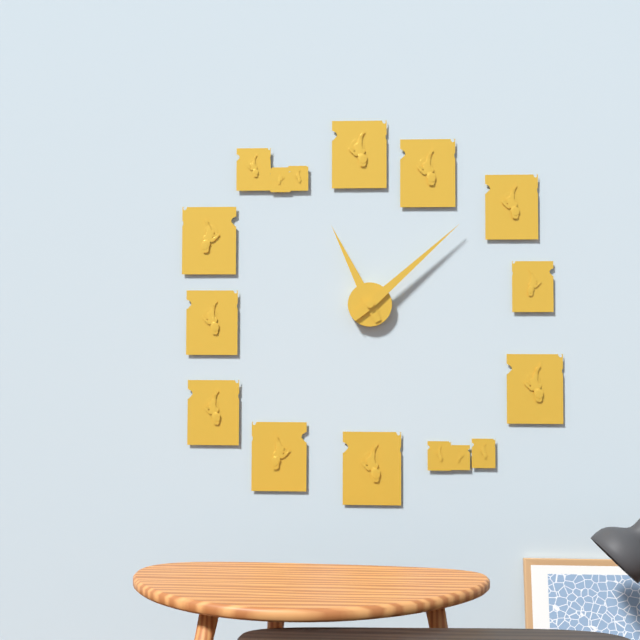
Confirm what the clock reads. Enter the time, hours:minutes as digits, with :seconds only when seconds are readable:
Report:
11:08
